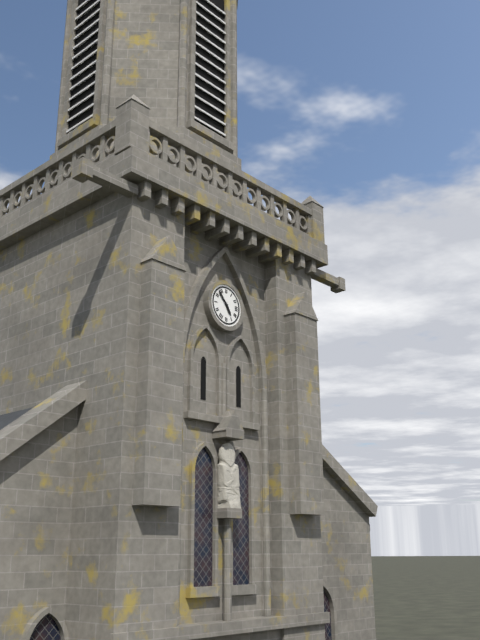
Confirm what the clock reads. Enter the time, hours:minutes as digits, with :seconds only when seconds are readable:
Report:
4:53
